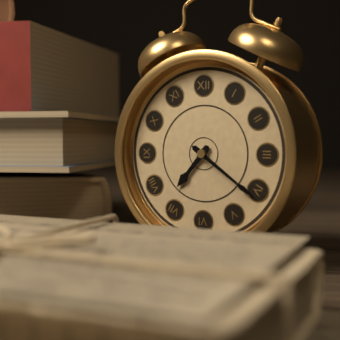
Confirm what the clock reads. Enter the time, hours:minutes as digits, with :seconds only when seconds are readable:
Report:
7:21
